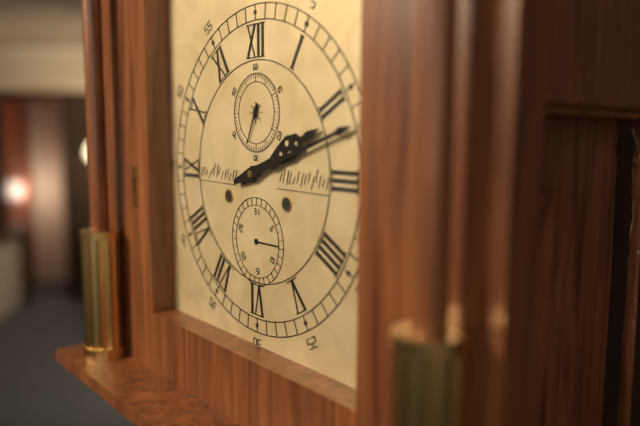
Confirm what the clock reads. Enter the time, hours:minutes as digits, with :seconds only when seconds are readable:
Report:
2:12
